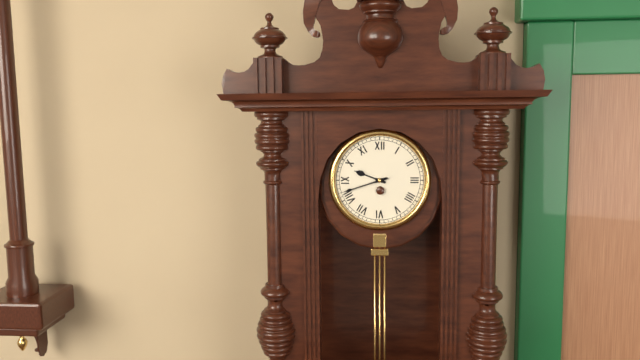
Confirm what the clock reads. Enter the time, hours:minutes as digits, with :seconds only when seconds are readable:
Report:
9:42
